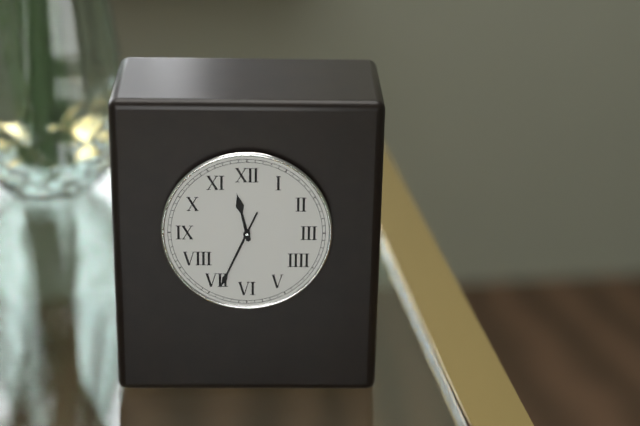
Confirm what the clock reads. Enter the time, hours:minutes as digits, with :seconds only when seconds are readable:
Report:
11:34
